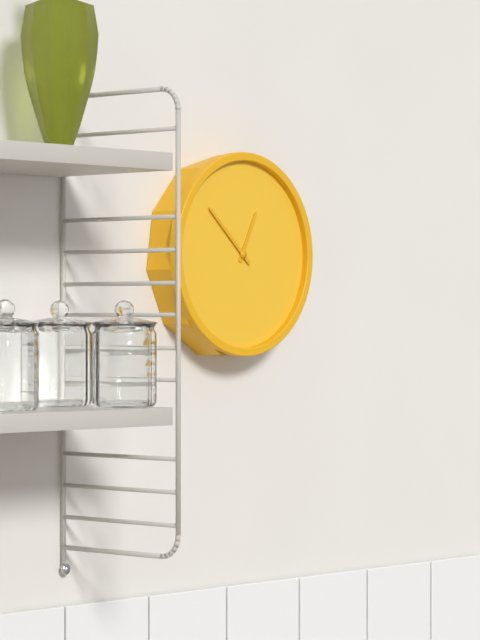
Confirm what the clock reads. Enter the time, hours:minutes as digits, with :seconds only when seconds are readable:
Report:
12:52
